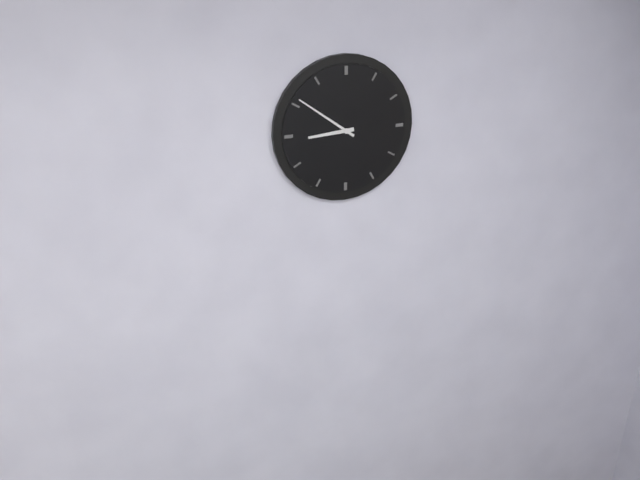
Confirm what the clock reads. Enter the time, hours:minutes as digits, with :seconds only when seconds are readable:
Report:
8:51
